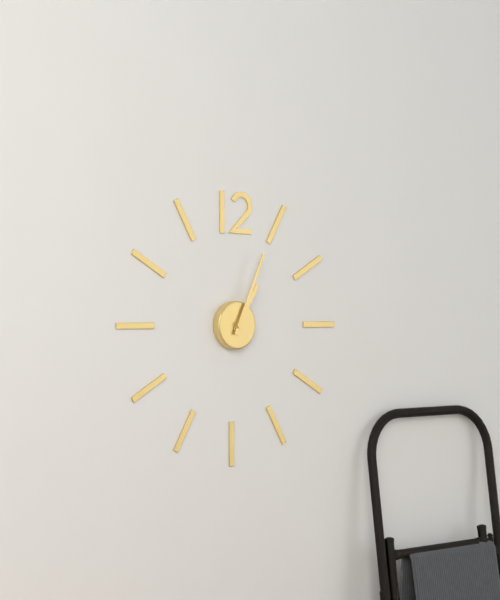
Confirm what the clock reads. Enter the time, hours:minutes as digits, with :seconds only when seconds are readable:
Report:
1:04
